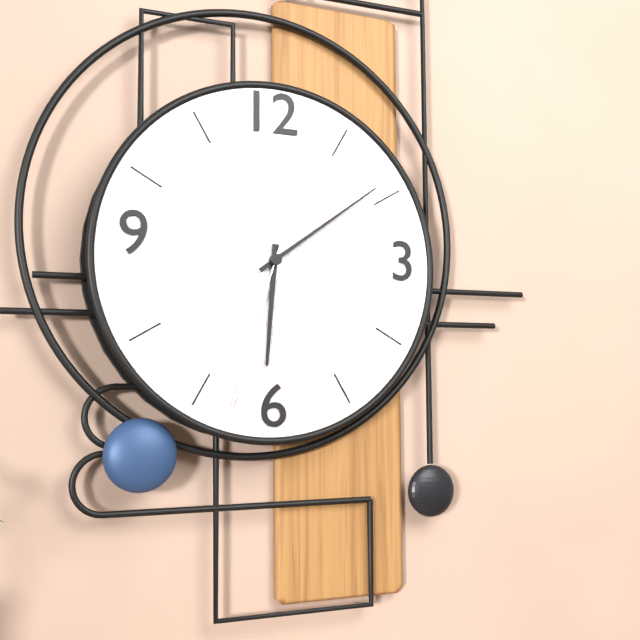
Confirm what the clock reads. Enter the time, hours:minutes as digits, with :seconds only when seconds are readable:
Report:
6:09:33
